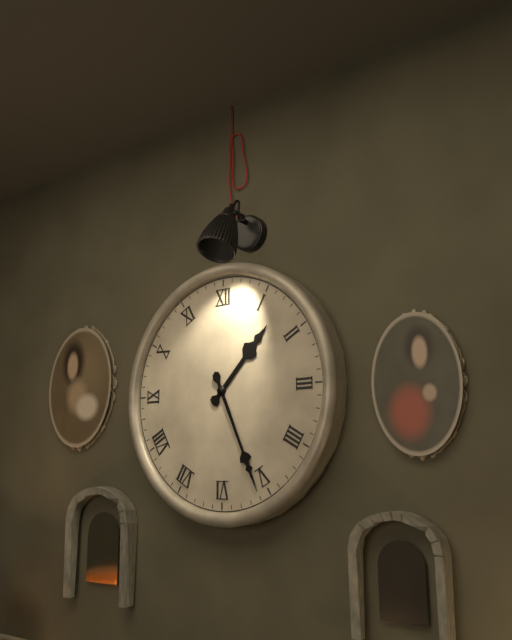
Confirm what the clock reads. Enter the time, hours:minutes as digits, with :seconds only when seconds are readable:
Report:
1:26
